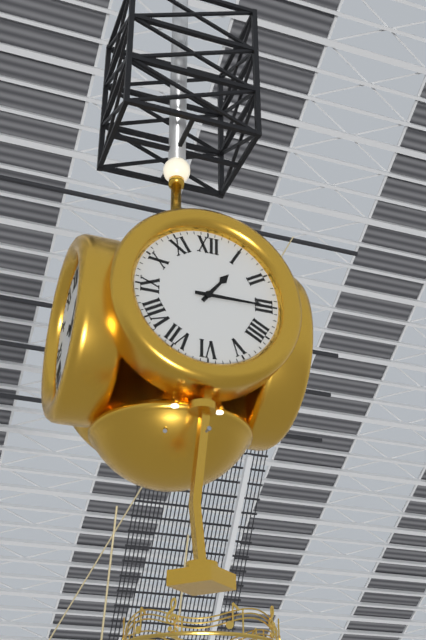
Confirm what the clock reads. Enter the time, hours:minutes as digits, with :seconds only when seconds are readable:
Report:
1:15
